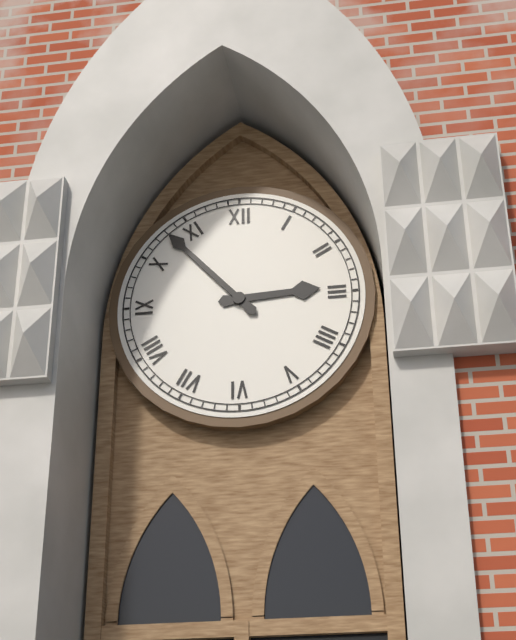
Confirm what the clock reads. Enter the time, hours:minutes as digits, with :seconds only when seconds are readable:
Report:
2:53
